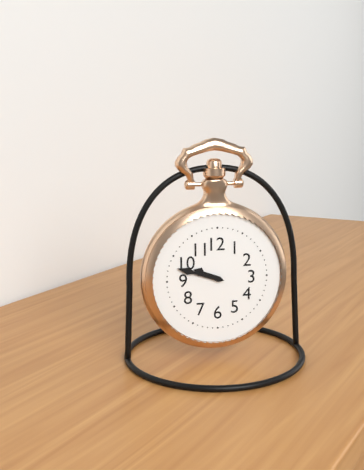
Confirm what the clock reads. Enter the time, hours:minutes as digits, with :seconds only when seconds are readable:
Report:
9:48
